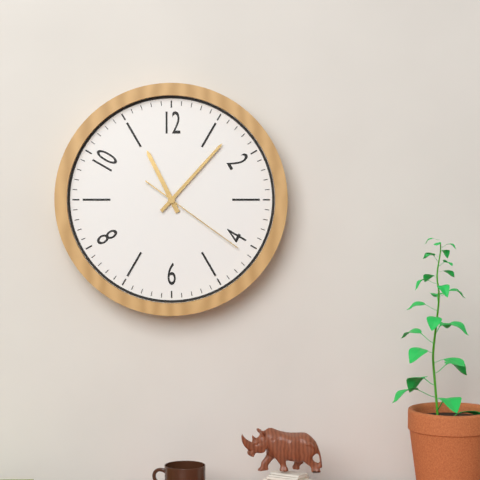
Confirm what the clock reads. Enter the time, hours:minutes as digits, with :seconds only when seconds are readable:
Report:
11:07:21
